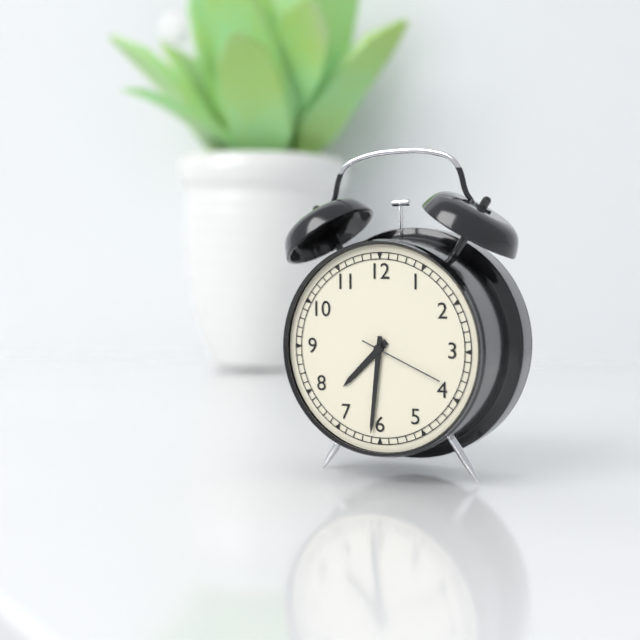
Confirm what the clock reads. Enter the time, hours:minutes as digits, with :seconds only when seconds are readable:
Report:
7:31:19
